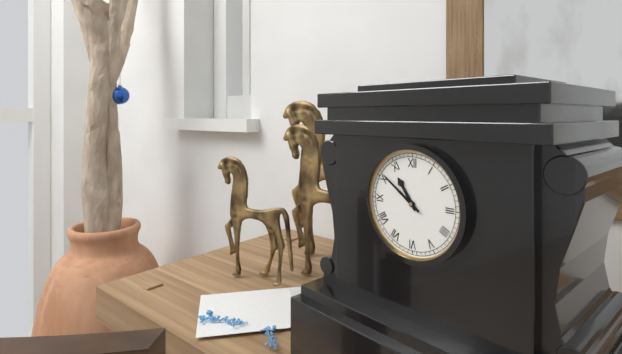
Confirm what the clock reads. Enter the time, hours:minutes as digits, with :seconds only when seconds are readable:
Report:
10:51
